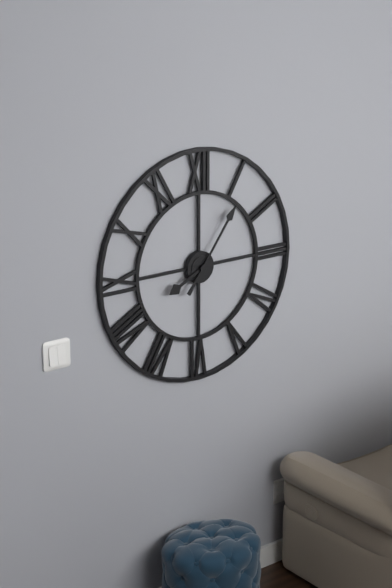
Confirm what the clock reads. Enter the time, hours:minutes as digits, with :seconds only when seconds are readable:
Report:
8:06
